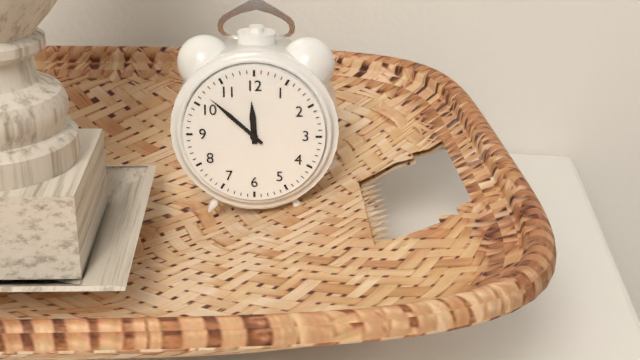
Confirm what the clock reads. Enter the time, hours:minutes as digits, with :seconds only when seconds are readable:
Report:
11:52
